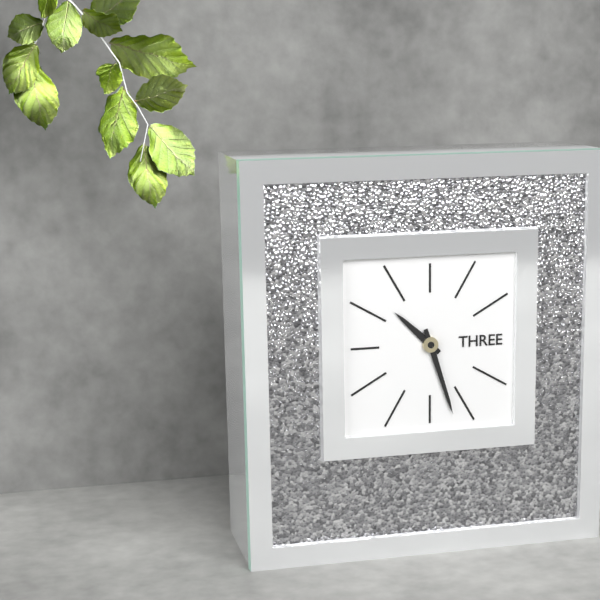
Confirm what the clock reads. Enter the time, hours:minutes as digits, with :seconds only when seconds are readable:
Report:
10:27
